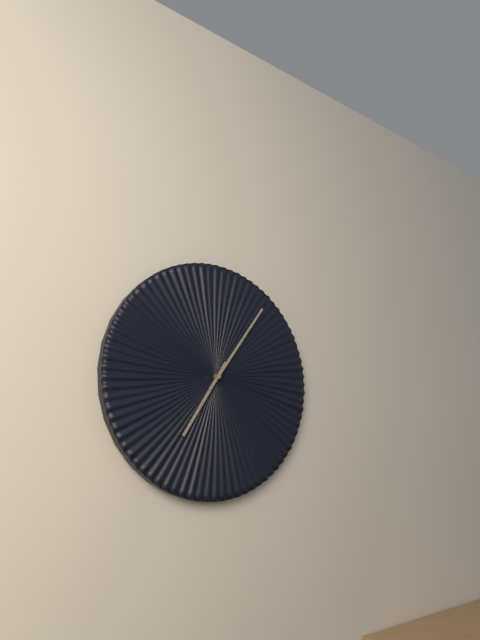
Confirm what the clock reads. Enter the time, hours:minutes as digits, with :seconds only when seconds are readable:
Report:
7:06
